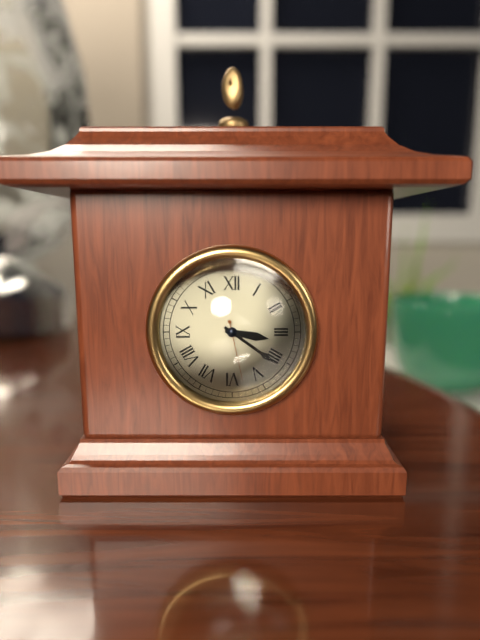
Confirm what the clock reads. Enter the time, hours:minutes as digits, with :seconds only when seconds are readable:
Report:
3:21:28
